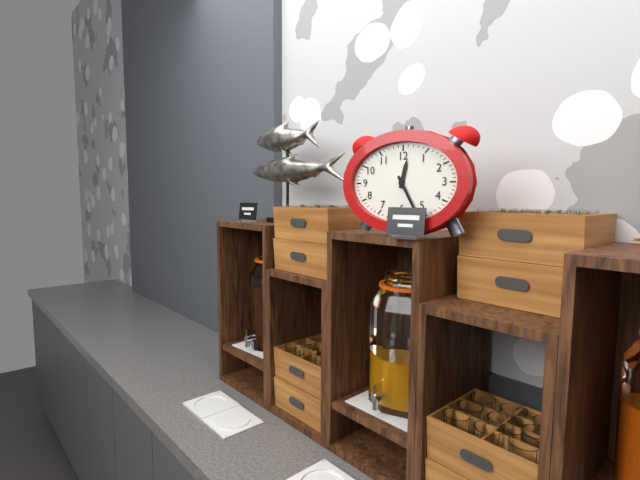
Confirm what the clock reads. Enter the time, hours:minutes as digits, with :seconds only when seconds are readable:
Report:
12:25
